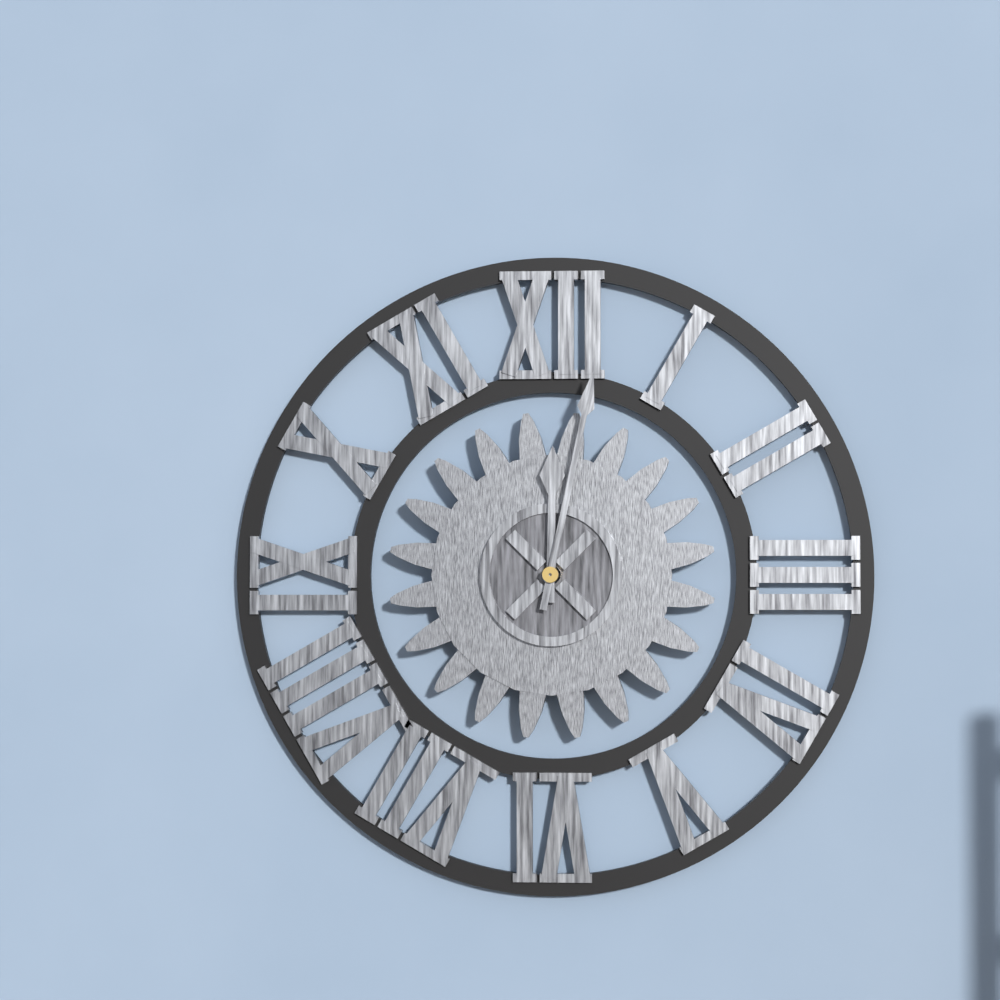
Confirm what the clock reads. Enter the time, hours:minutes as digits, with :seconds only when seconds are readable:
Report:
12:02
